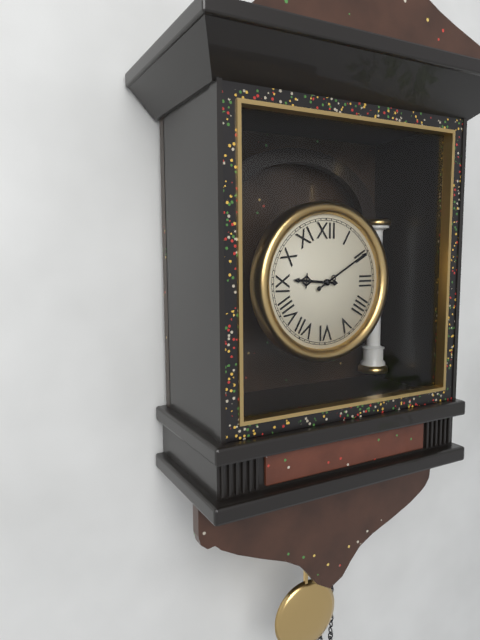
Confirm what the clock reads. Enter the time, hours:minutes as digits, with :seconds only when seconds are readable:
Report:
9:10
